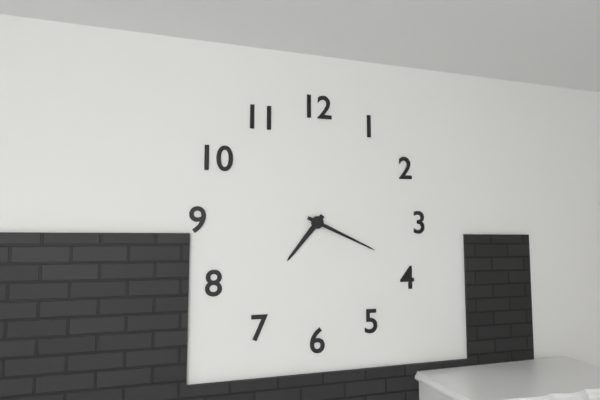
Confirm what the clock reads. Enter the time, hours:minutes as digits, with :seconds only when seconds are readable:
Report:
7:19
